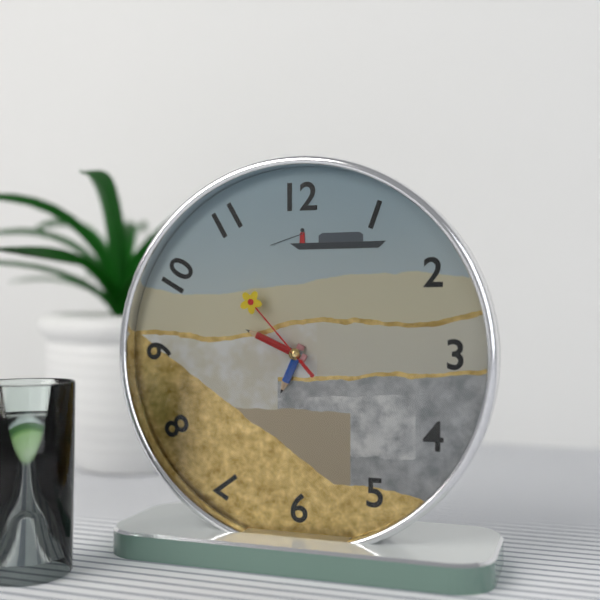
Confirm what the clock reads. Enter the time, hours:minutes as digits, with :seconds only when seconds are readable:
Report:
6:49:53
